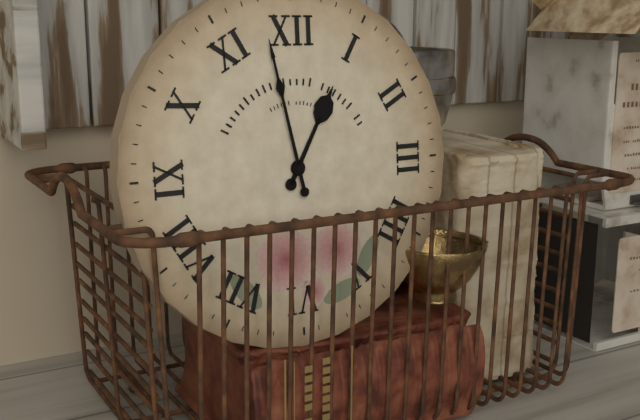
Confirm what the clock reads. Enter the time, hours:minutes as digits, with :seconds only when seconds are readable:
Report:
12:58
